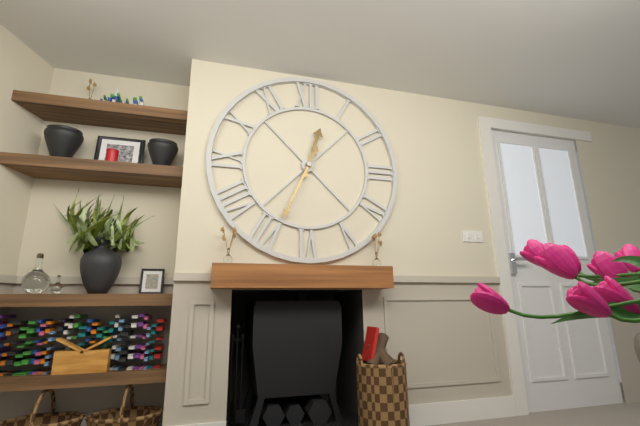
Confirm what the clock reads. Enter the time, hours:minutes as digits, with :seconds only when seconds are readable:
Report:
12:34
